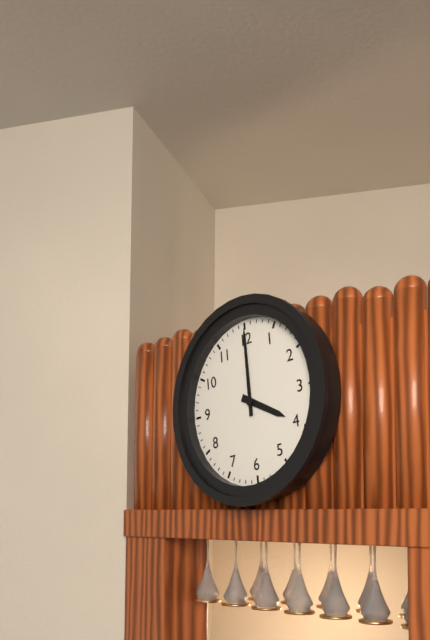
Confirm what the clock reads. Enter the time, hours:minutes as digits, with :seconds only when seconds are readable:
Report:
4:00
